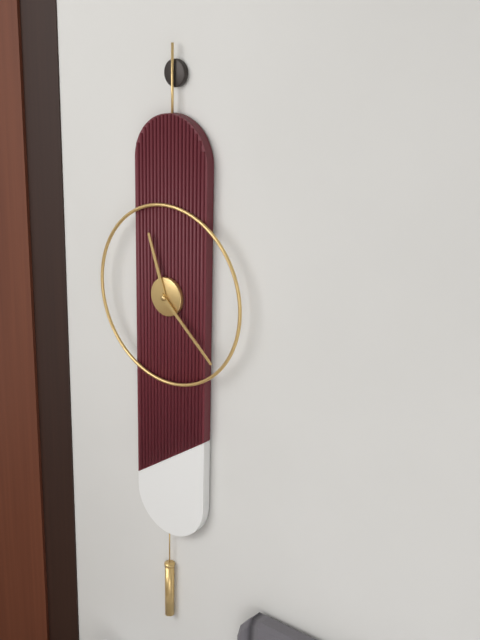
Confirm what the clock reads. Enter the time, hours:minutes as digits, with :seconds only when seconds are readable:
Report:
11:22
